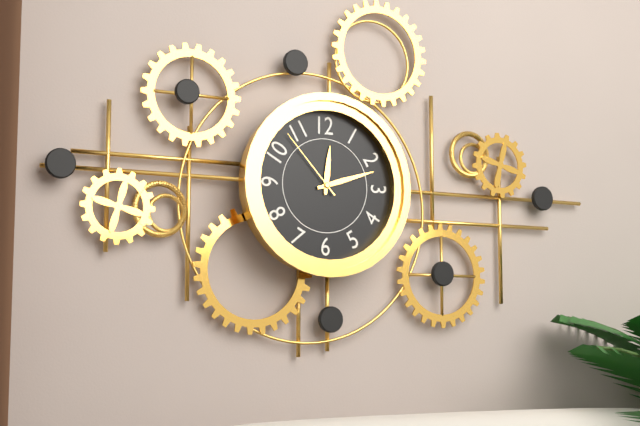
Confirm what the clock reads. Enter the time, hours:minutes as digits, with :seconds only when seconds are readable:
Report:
12:12:53
